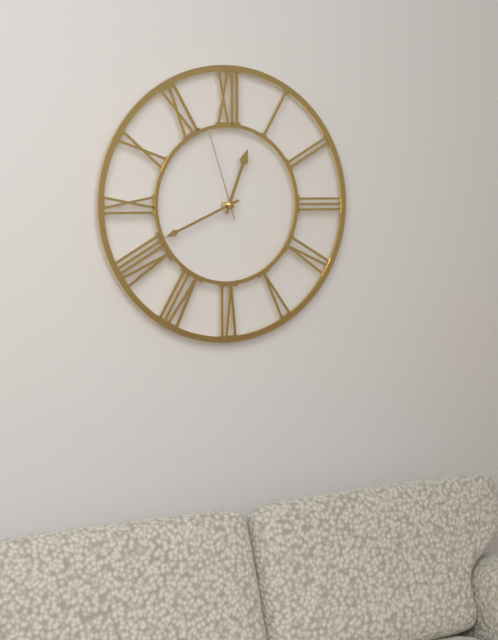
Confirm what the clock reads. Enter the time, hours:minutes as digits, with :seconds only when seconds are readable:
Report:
12:41:57
